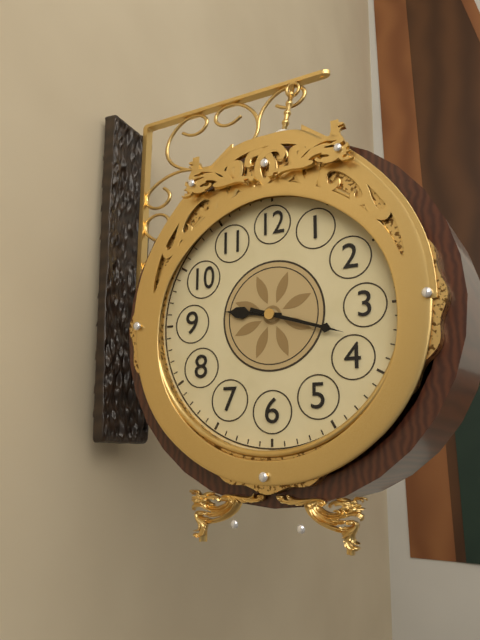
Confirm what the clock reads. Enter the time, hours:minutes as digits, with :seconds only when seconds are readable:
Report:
9:18
